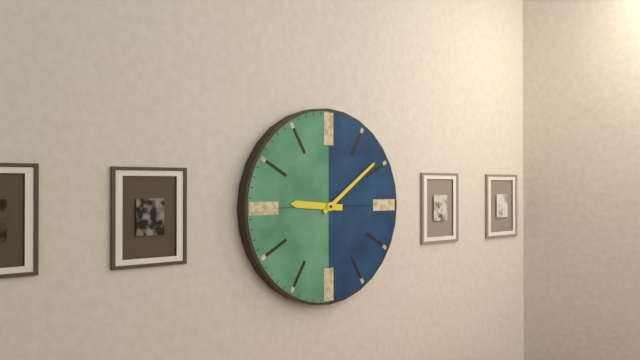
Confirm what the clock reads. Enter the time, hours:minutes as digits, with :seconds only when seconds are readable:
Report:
9:09
